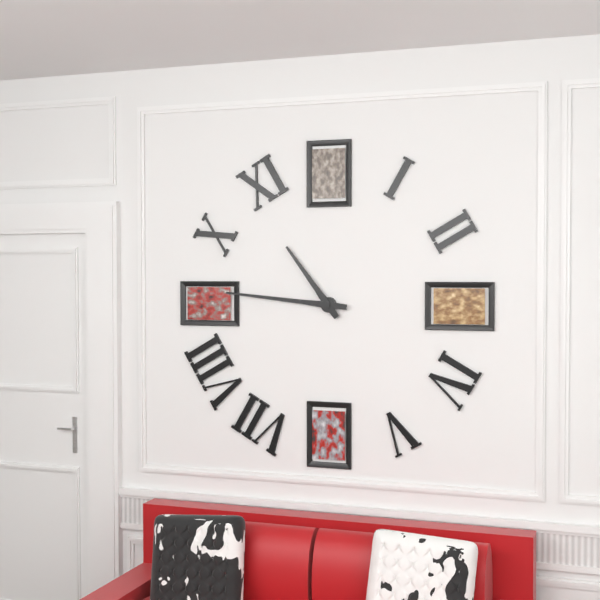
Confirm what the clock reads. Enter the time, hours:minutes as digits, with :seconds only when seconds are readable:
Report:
10:46
